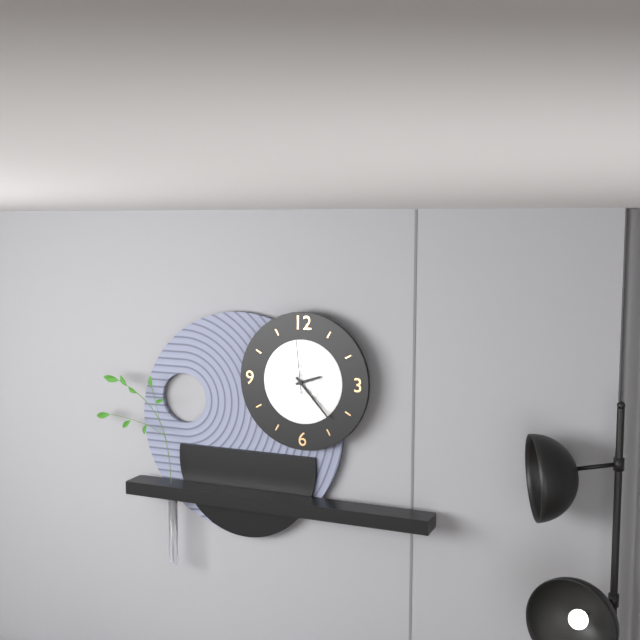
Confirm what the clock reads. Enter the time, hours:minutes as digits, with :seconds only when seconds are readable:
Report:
2:23:59
